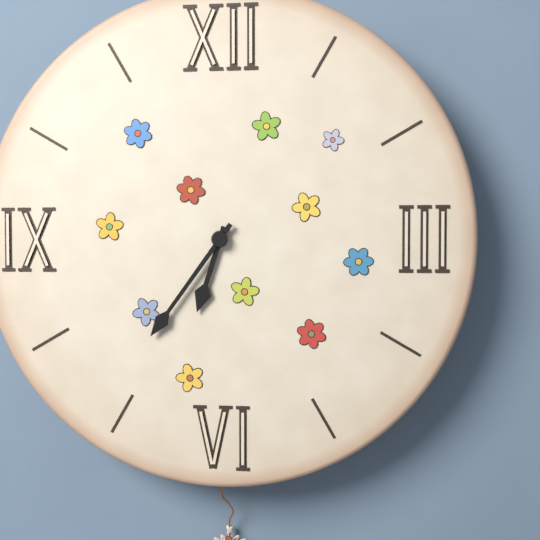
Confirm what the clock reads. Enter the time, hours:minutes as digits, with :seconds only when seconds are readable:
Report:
6:36
